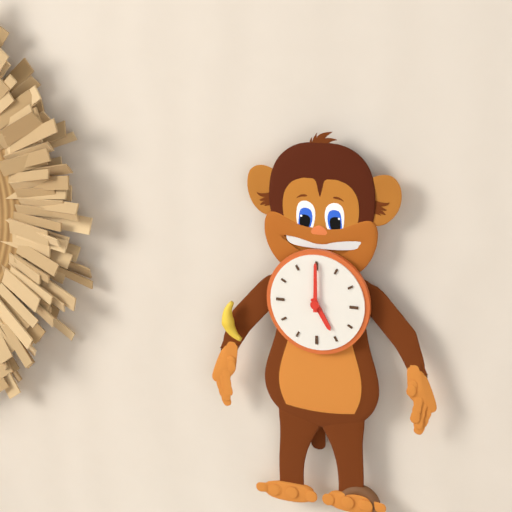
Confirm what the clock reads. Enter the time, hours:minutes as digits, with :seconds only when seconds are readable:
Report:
5:00
